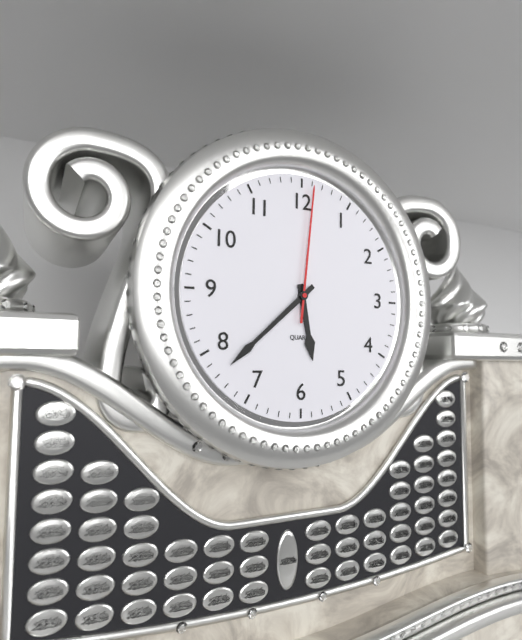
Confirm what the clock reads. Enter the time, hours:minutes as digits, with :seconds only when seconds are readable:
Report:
5:38:01
